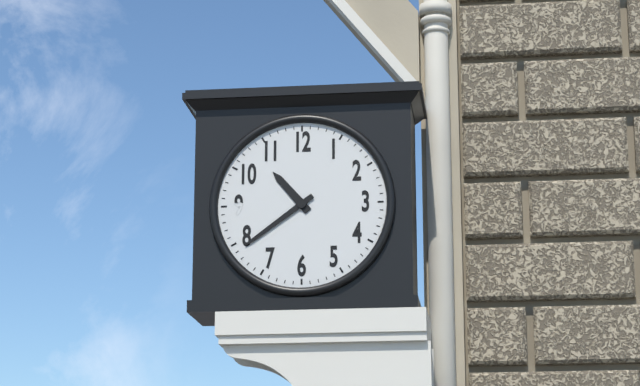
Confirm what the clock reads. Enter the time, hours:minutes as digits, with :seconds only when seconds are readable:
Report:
10:39
